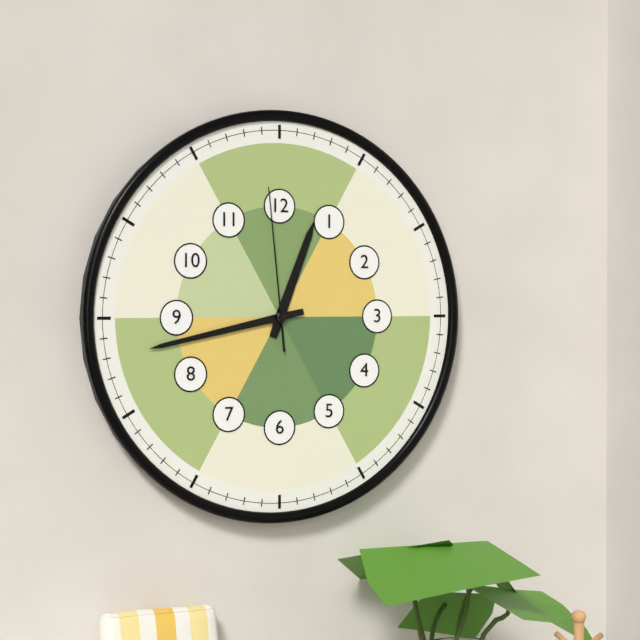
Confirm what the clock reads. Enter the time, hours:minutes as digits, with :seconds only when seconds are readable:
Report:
12:43:59
